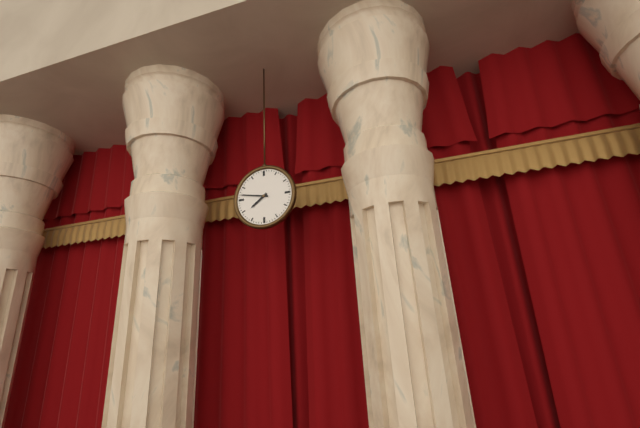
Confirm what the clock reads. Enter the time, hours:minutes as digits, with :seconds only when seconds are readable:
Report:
7:47
